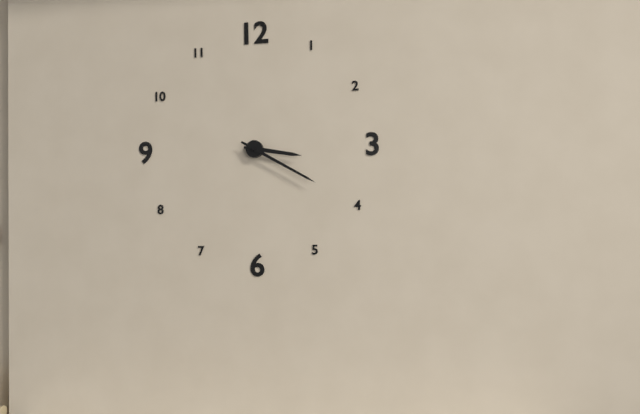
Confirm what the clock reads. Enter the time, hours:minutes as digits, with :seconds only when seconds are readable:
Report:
3:20
